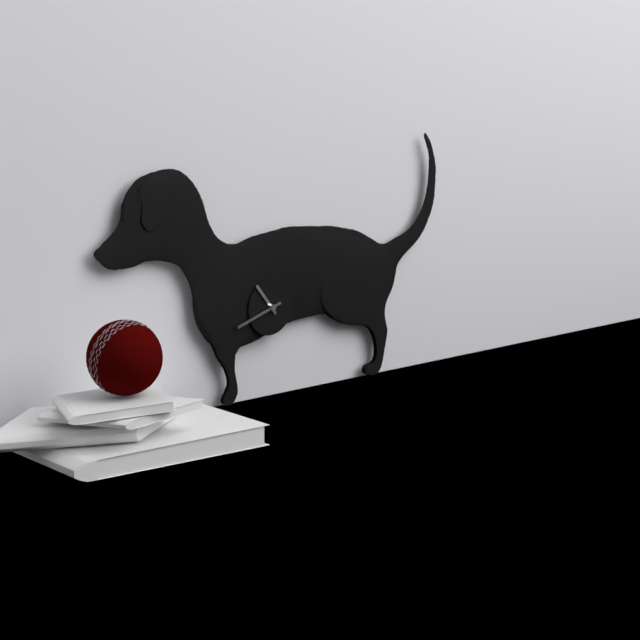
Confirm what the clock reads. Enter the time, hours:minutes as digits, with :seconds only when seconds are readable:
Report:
10:42
